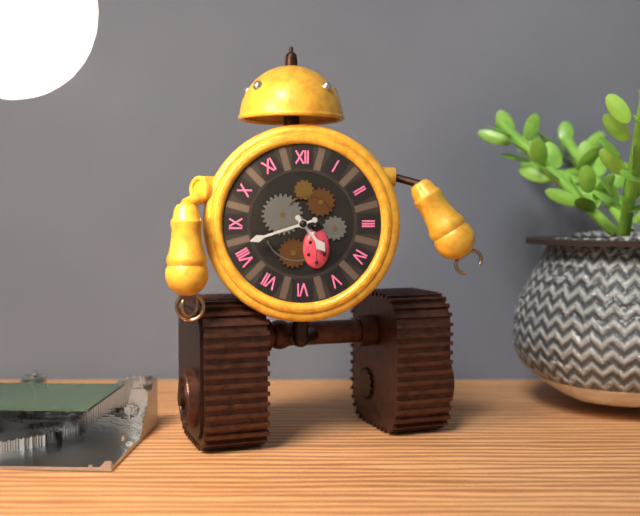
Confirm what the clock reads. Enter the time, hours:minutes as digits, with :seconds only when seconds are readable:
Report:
4:42
